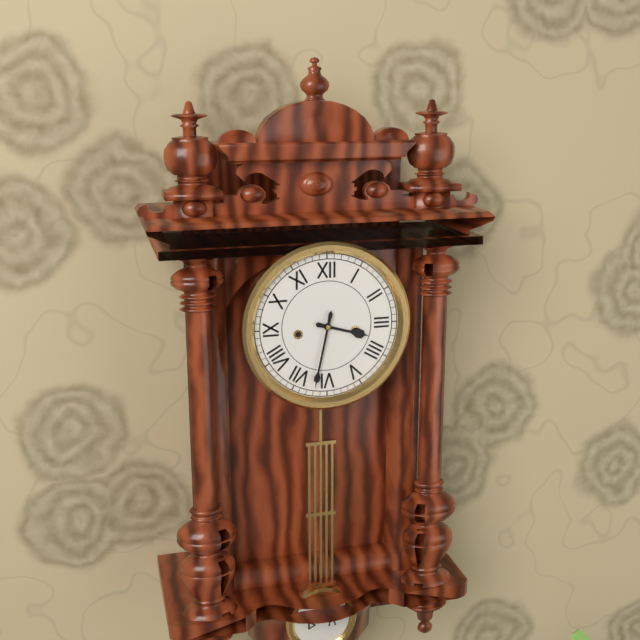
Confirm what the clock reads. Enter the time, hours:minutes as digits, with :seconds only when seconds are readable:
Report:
3:32
